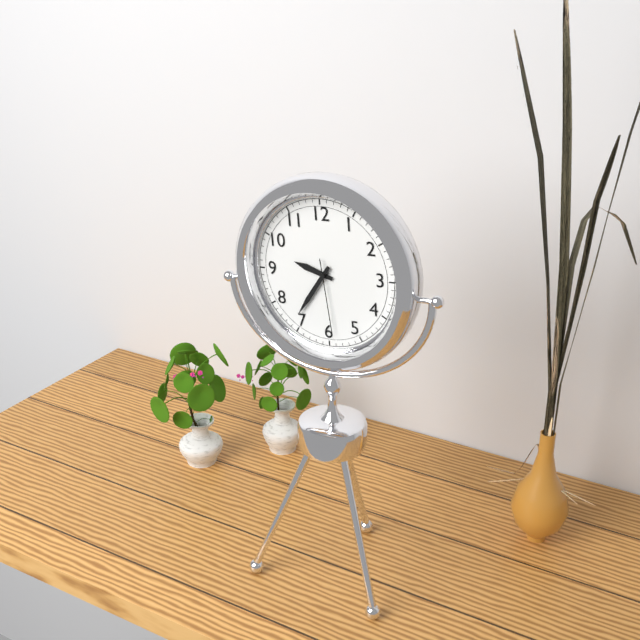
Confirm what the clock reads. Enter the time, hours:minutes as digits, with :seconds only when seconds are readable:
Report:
9:36:29
